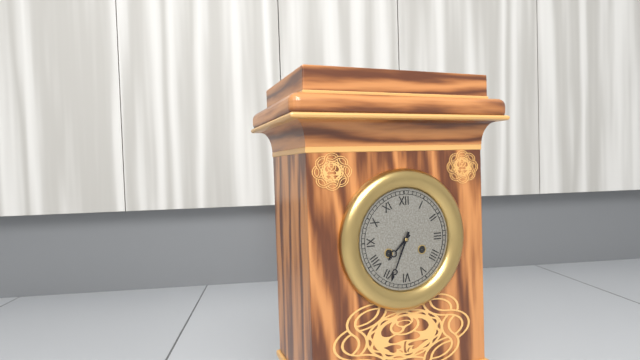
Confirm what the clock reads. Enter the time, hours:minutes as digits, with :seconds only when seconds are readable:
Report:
7:34
